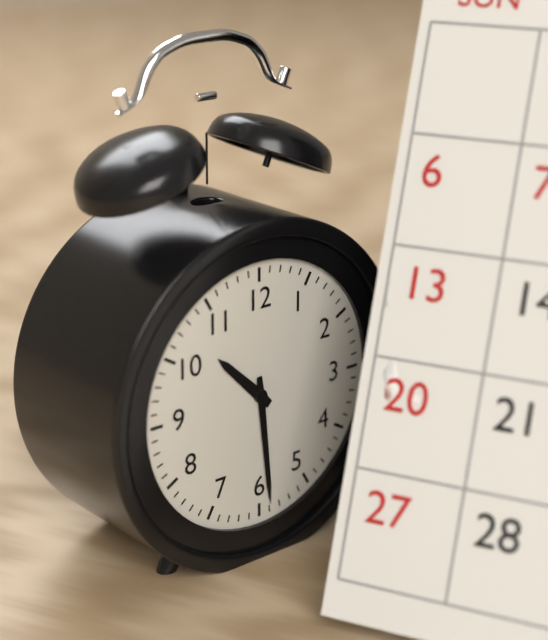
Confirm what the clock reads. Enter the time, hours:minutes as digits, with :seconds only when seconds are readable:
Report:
10:29
